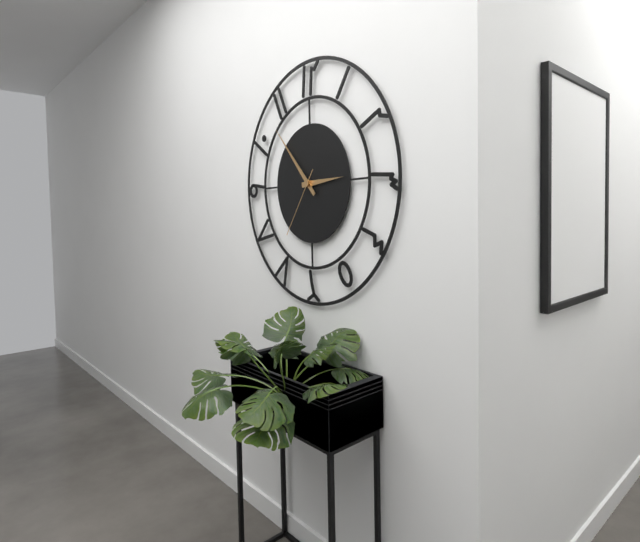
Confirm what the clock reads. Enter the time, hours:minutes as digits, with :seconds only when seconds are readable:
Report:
2:53:36
